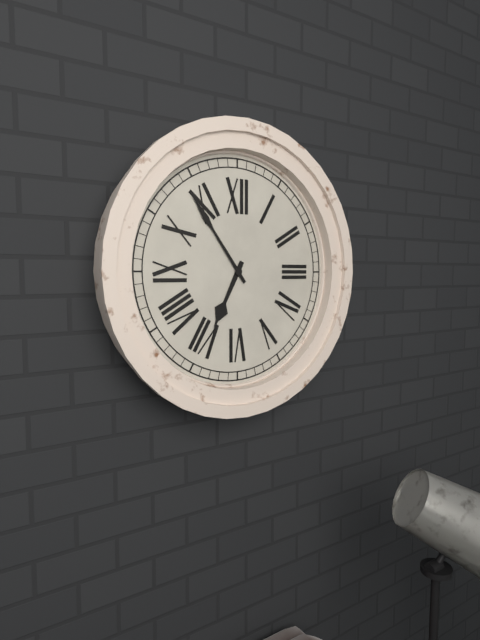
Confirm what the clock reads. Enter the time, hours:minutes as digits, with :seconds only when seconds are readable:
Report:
6:54
